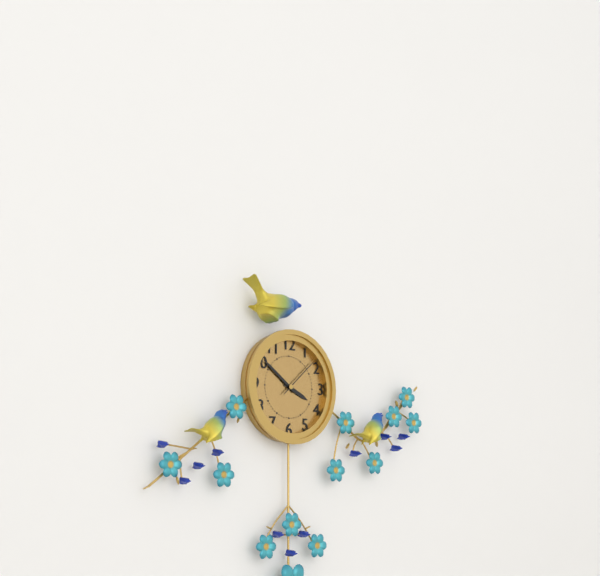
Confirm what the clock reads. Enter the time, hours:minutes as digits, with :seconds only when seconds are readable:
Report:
3:51
